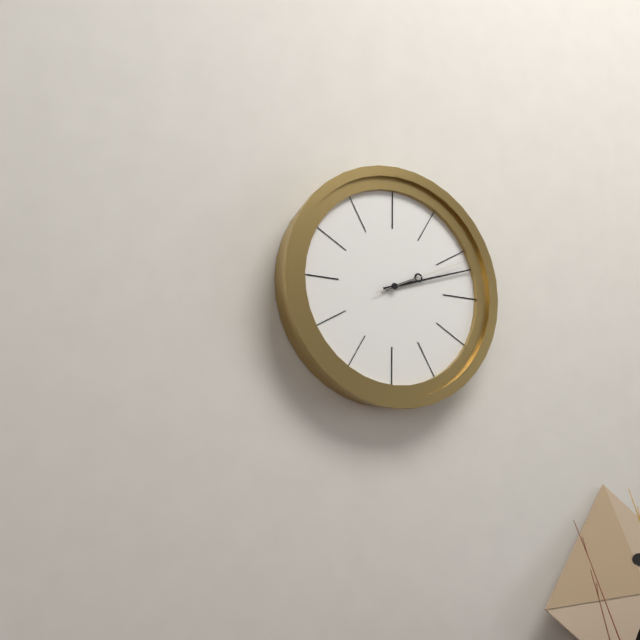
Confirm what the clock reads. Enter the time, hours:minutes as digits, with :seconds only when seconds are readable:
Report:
2:12:11
